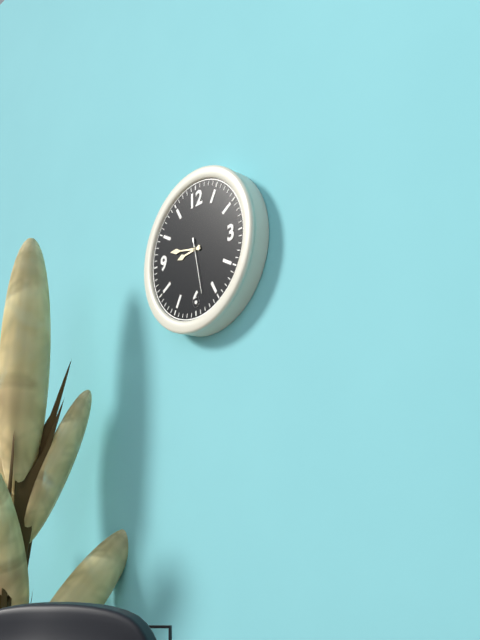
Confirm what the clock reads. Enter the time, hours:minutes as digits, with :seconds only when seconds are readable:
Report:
8:47:28
